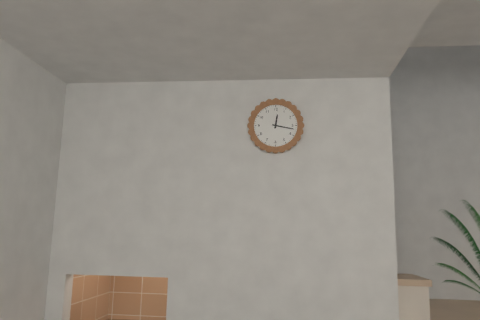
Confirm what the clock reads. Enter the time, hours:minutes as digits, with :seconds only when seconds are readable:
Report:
12:17
